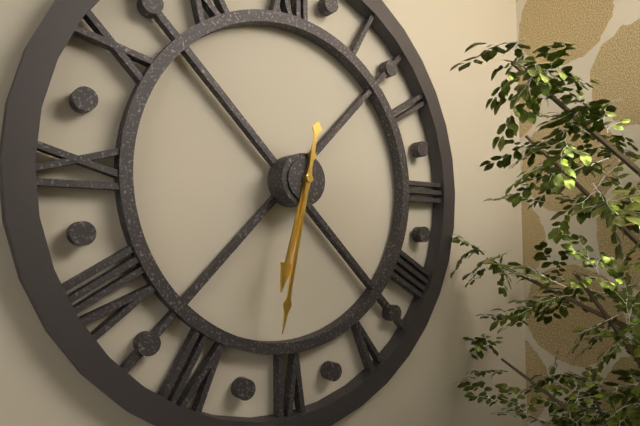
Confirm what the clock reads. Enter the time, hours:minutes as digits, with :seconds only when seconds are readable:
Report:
6:32
